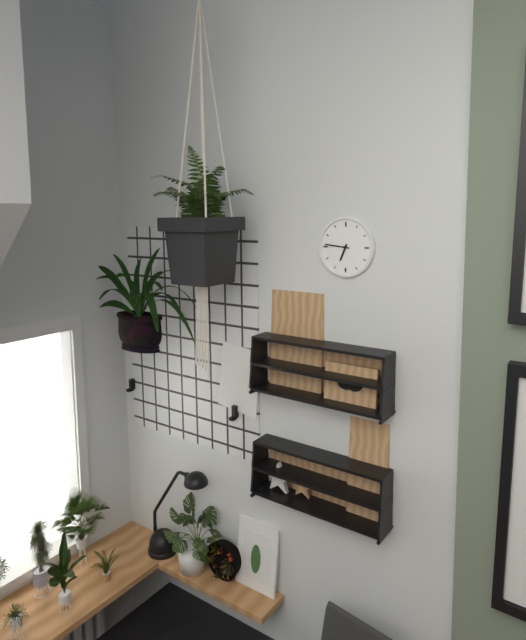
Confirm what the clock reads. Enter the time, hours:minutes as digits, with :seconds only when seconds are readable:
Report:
6:46
